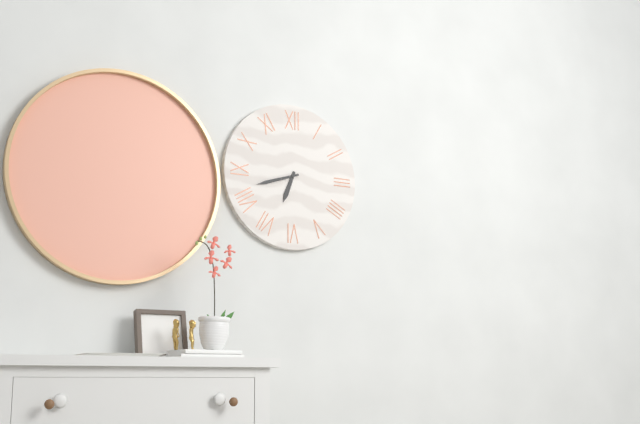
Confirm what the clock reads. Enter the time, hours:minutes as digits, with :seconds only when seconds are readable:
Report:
6:42
